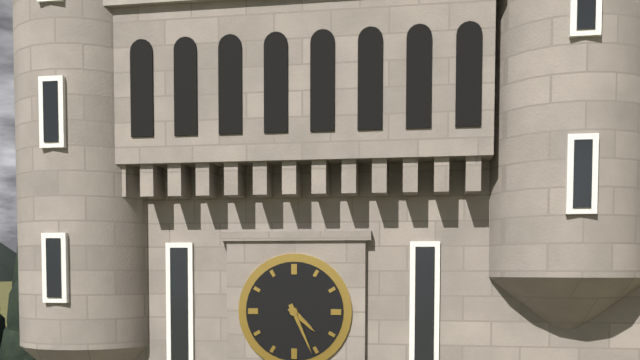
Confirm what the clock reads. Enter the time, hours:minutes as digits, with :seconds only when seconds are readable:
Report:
4:26
